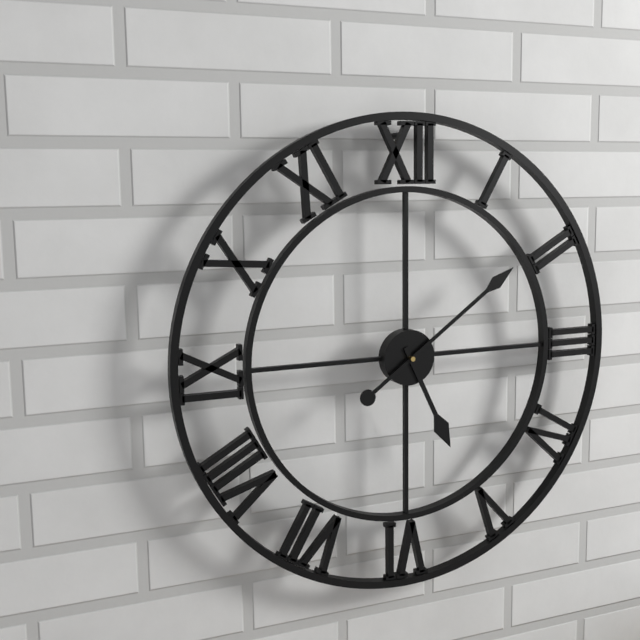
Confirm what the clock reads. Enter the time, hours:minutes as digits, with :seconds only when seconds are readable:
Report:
5:09
